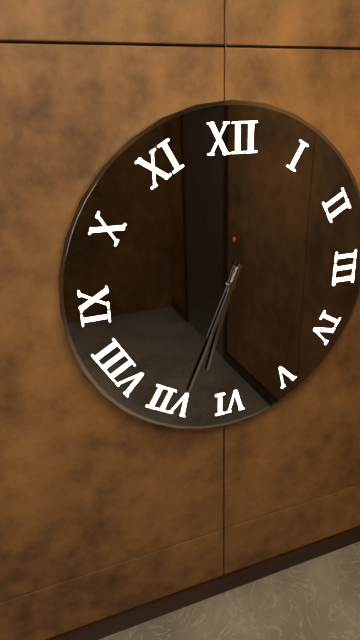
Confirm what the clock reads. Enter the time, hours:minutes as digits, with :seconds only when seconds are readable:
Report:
6:34
